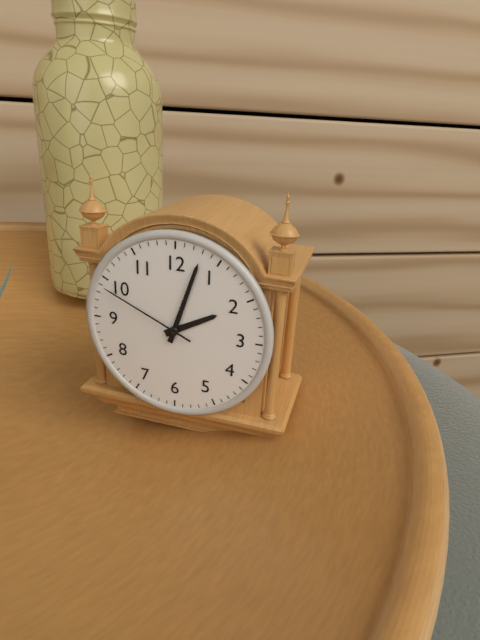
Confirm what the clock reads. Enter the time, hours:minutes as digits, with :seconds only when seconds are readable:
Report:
2:03:49
